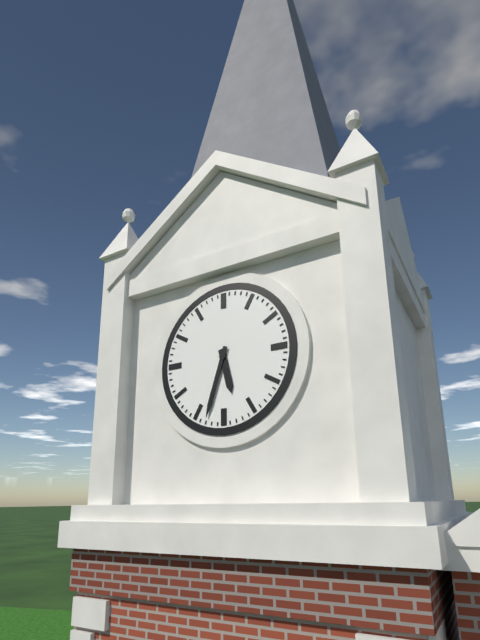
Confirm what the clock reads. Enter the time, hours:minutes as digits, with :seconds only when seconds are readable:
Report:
5:33
